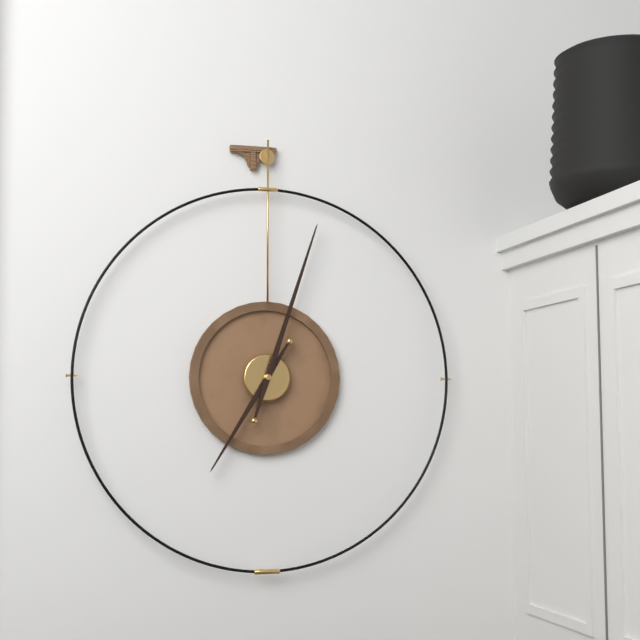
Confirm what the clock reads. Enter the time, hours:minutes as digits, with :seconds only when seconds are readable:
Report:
7:03
